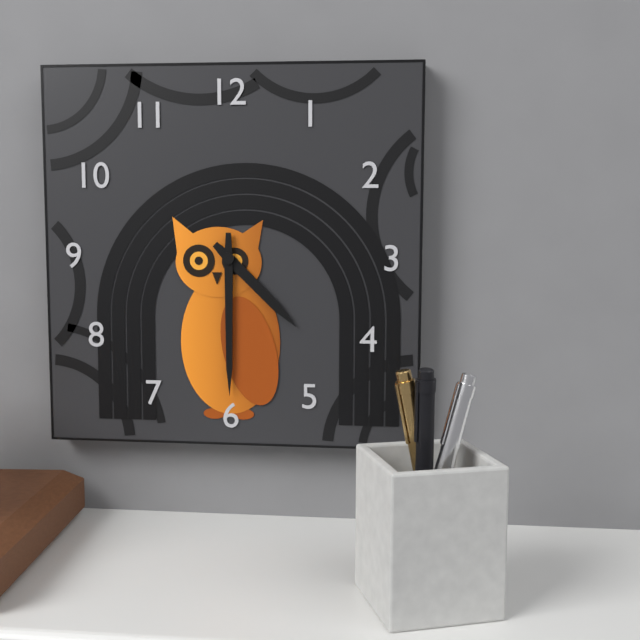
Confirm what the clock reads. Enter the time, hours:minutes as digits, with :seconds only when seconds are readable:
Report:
4:30
